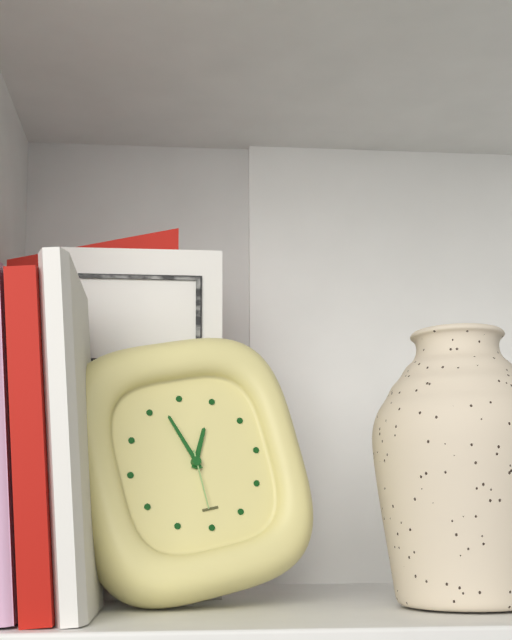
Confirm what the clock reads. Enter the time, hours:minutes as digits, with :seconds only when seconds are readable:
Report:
12:57:30
